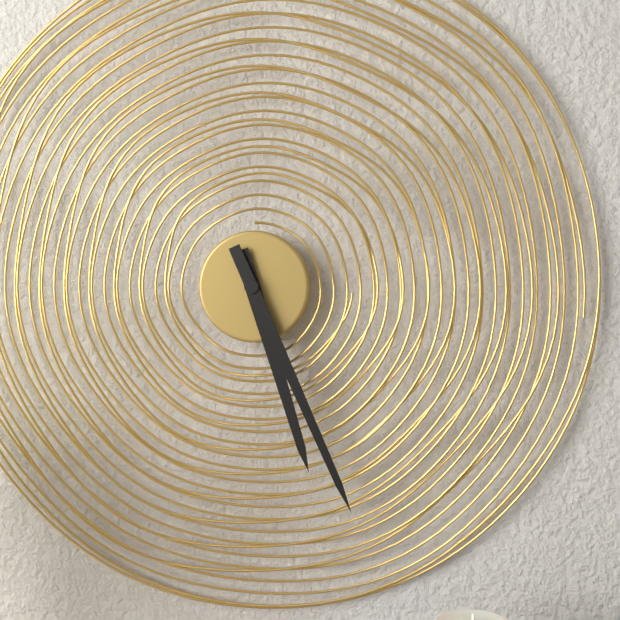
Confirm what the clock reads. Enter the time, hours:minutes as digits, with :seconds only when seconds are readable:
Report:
5:26
